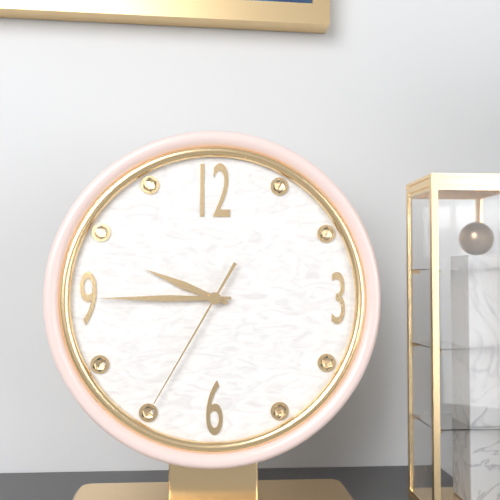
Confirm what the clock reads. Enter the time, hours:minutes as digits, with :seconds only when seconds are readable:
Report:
9:45:35
